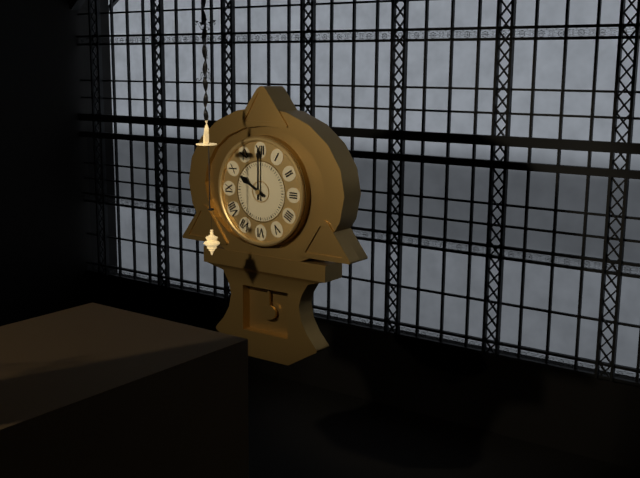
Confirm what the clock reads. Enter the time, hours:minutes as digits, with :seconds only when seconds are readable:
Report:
10:00
